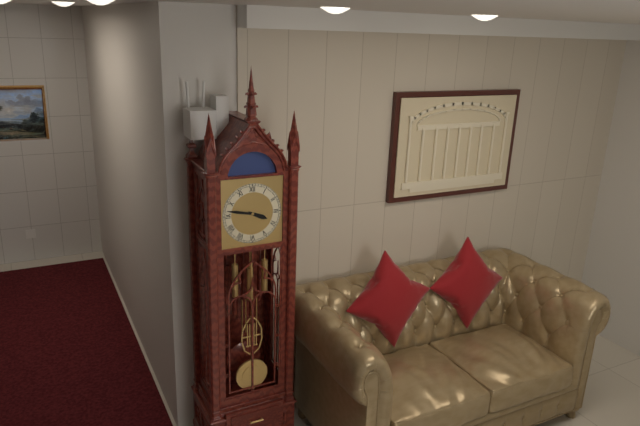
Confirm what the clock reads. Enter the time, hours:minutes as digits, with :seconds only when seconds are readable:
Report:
3:47
